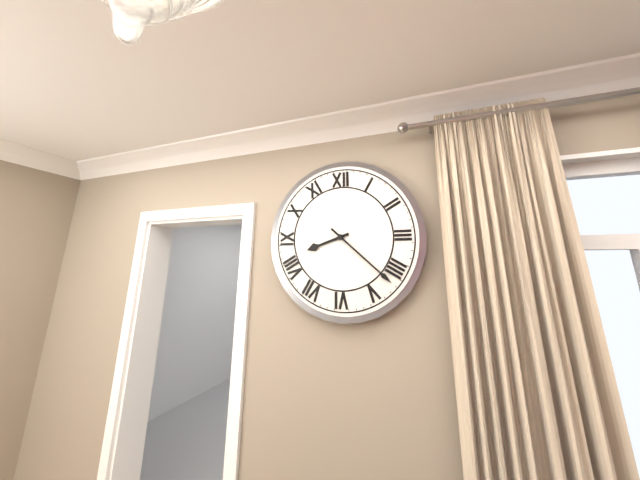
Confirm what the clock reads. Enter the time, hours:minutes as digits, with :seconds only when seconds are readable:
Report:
8:22
